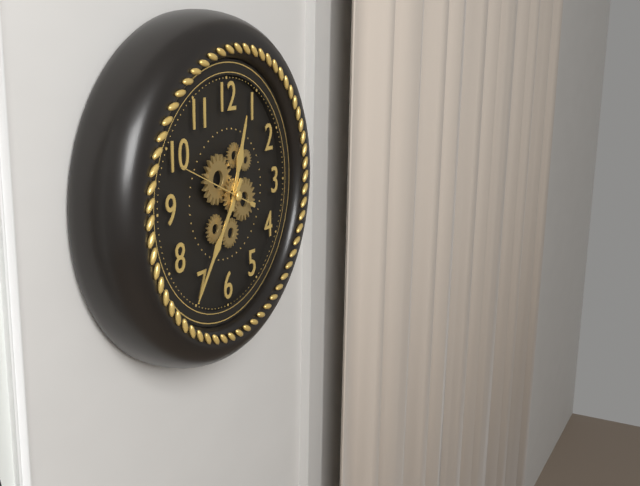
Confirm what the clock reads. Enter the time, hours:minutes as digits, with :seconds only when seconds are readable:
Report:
12:36:49
